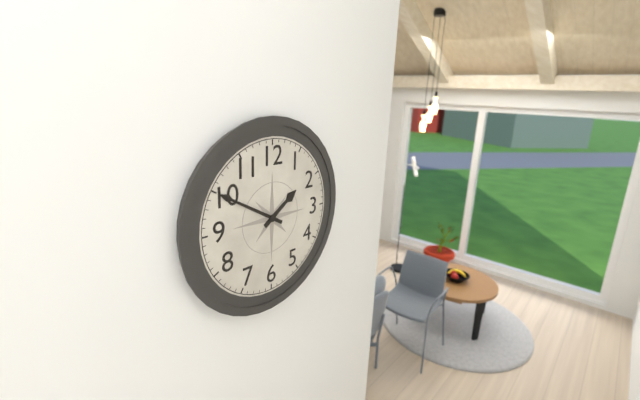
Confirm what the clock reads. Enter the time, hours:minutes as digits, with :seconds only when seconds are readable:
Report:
1:50
